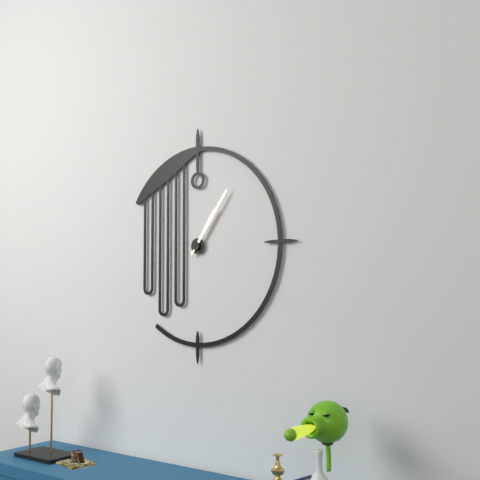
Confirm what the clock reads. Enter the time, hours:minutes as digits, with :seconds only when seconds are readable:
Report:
1:06
